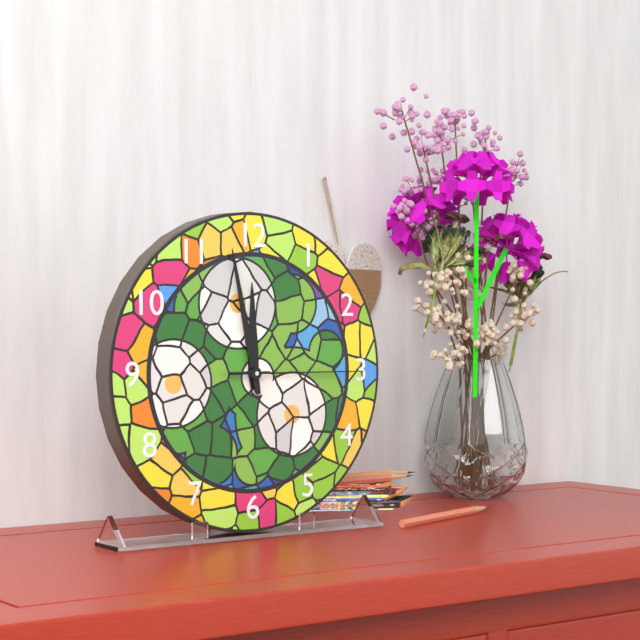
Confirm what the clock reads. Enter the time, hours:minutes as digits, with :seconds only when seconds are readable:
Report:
11:58:15
